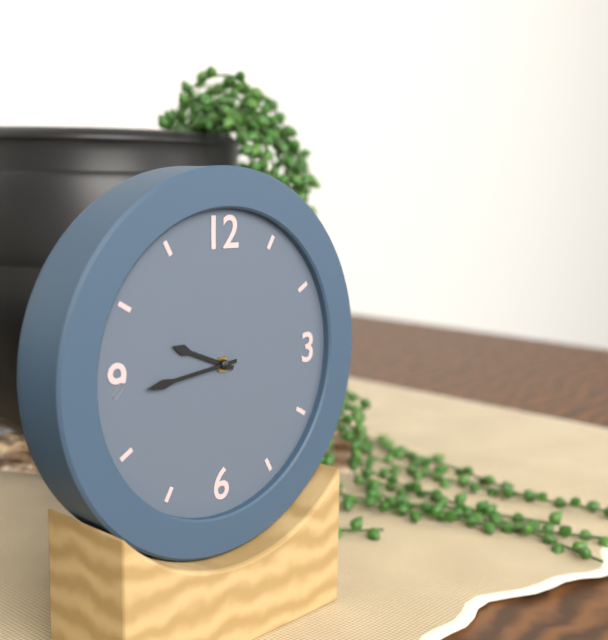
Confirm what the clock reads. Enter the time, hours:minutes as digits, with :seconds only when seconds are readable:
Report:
9:44
